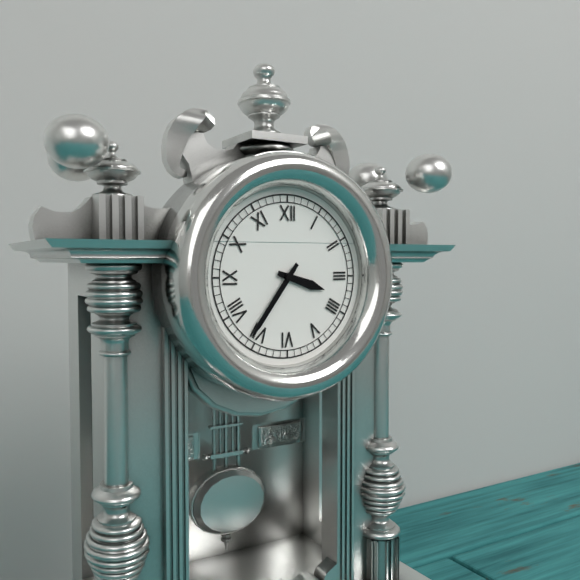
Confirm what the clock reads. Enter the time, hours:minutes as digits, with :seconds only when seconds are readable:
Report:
3:36
